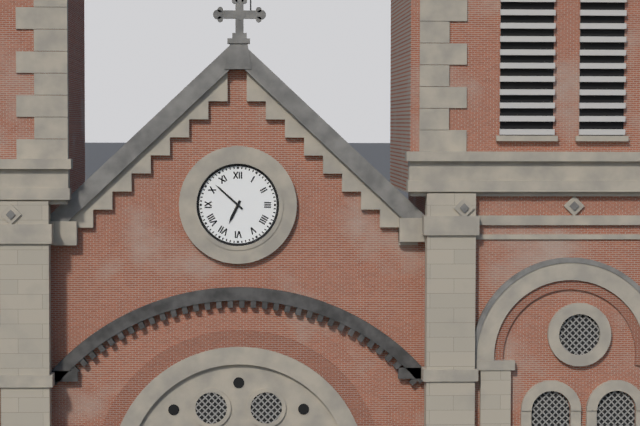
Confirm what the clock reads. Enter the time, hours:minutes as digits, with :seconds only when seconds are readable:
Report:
6:52
